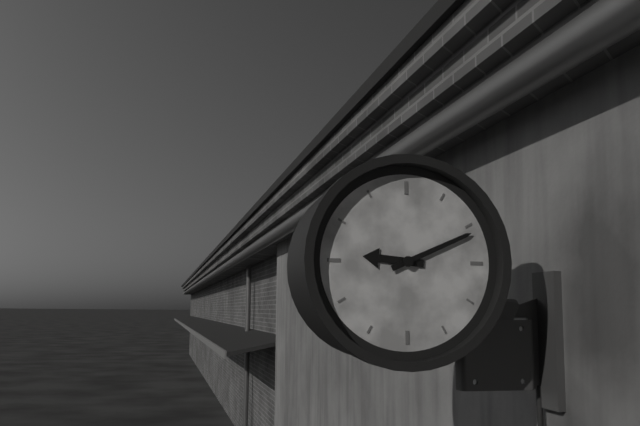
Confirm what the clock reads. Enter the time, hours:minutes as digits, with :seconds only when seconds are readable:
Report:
9:11
